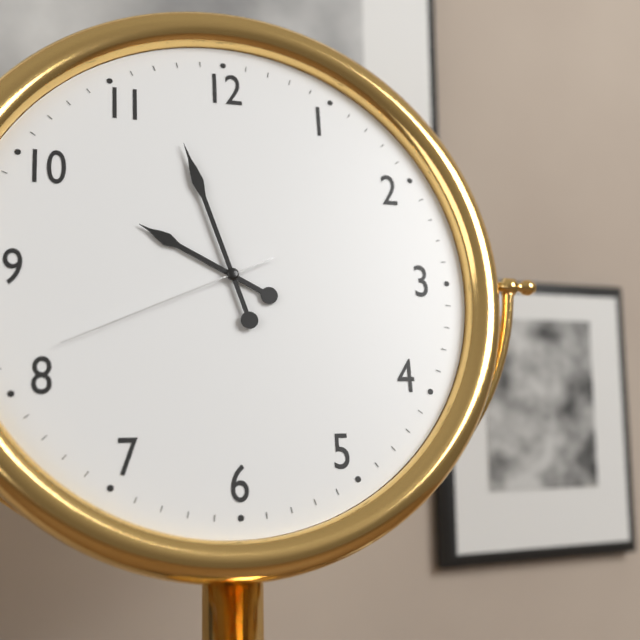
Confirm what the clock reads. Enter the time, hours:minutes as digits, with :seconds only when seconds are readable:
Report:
9:57:41
